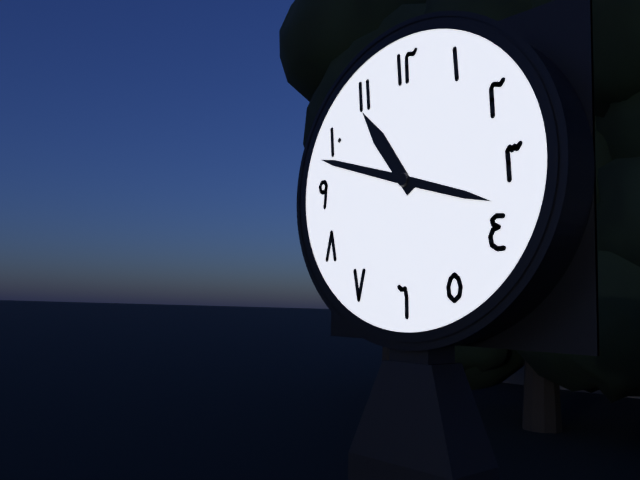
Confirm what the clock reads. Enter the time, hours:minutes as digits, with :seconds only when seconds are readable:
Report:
10:48
